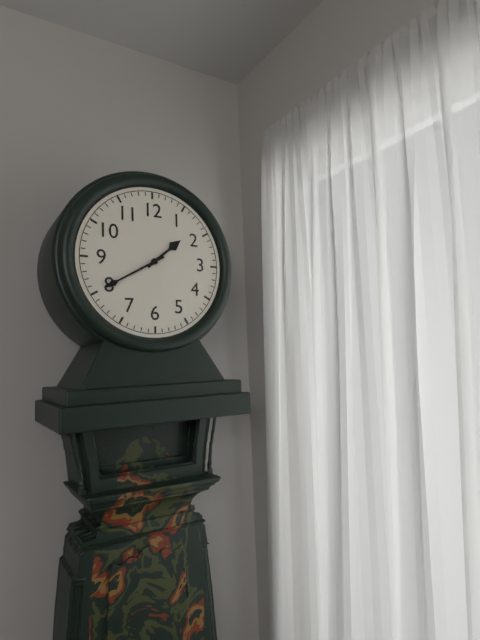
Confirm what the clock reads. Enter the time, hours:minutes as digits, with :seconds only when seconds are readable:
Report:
1:40
